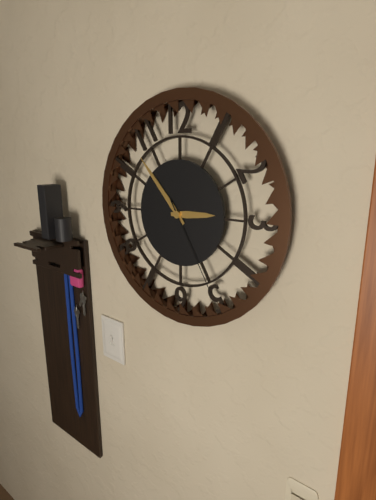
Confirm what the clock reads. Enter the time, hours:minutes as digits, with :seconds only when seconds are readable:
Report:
2:53:25
